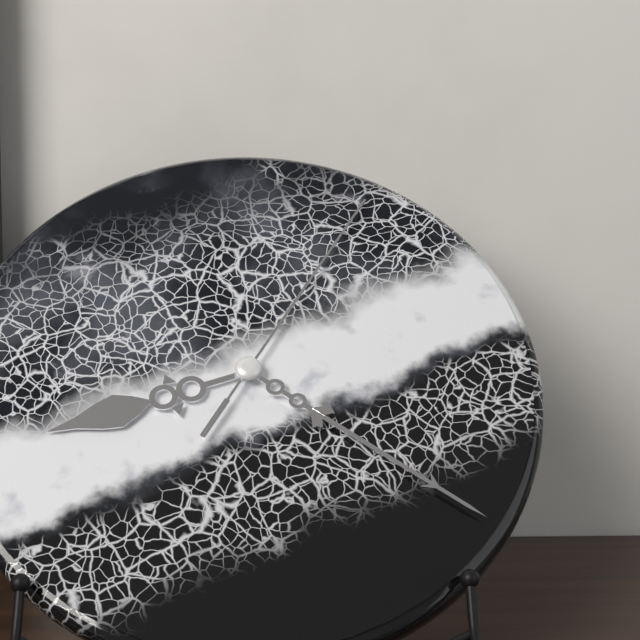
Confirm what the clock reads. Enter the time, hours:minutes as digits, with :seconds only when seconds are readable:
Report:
8:21:05
